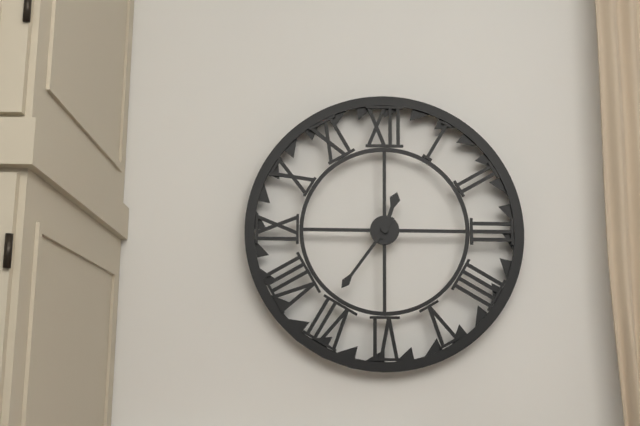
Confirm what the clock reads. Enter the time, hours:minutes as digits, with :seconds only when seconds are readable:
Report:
12:36
